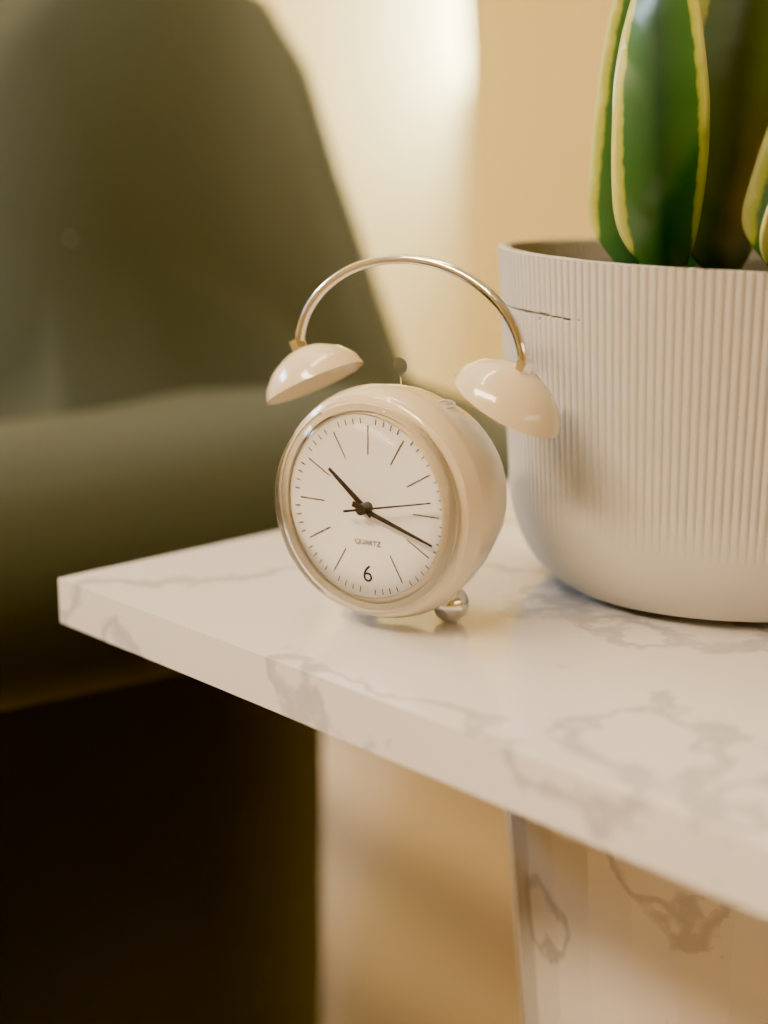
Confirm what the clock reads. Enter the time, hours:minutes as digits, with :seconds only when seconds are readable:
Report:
10:18:13
